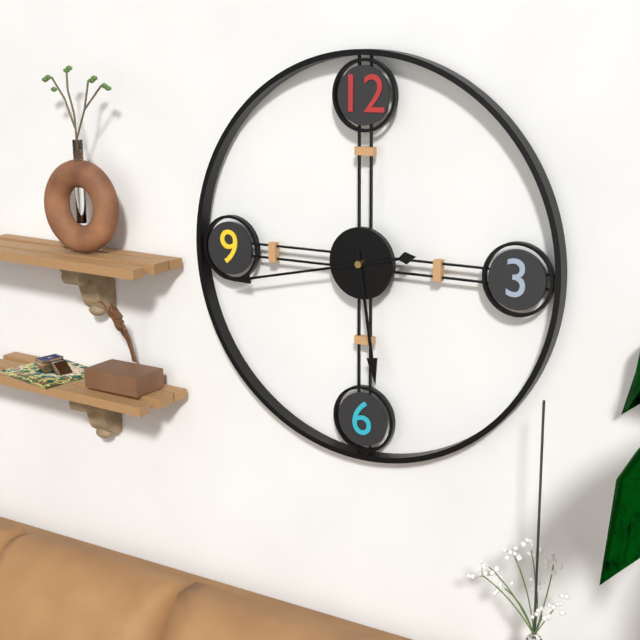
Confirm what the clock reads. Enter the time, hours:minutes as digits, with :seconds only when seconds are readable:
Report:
5:43
